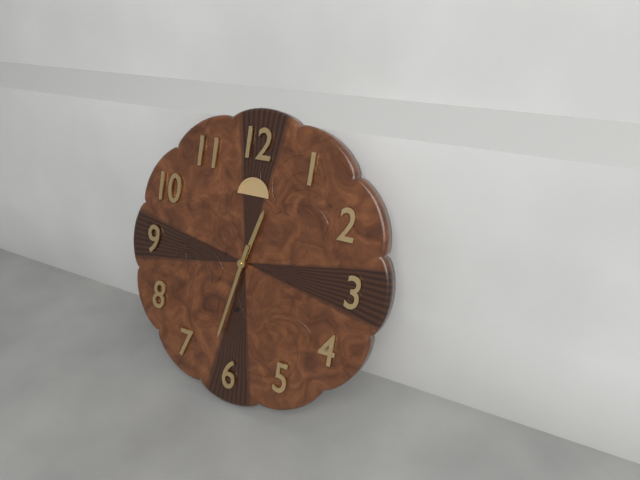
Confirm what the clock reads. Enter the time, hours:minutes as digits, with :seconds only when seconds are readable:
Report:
12:32
